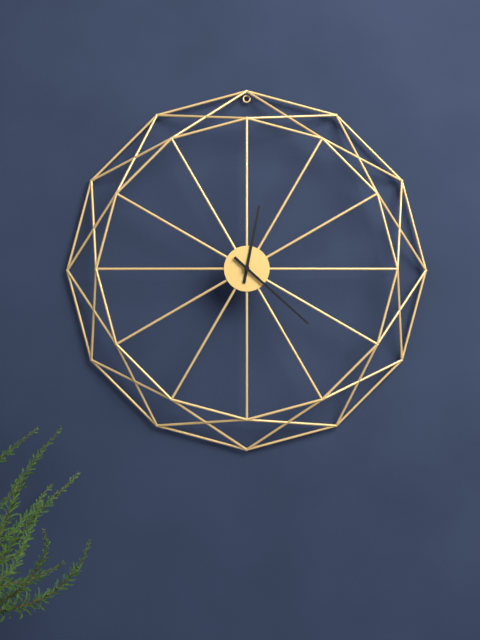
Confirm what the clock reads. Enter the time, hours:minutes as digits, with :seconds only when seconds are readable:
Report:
12:22
